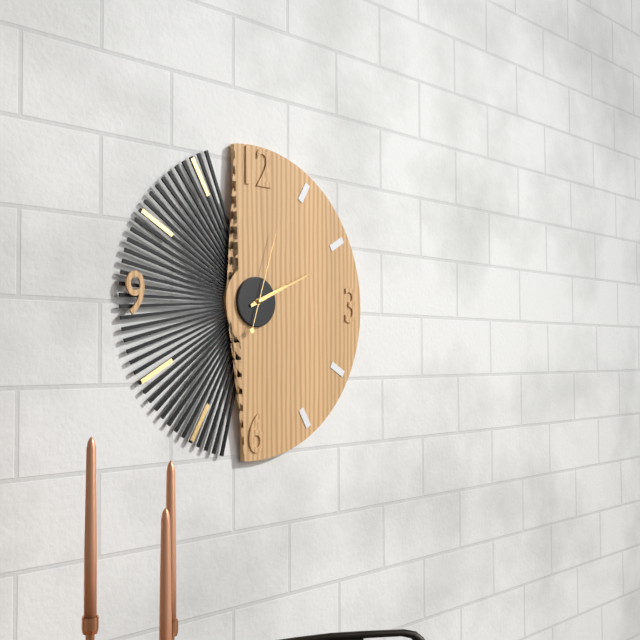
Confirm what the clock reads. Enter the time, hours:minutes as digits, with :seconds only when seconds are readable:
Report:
2:11:03
